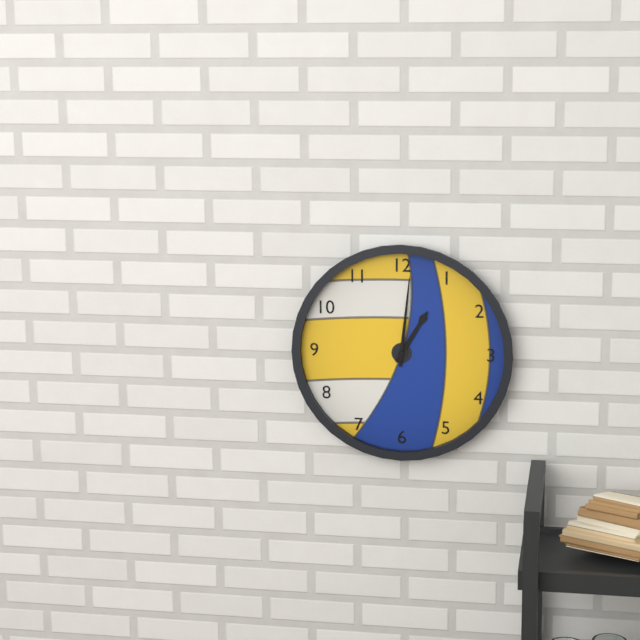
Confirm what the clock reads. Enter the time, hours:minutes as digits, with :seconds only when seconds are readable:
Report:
1:01
